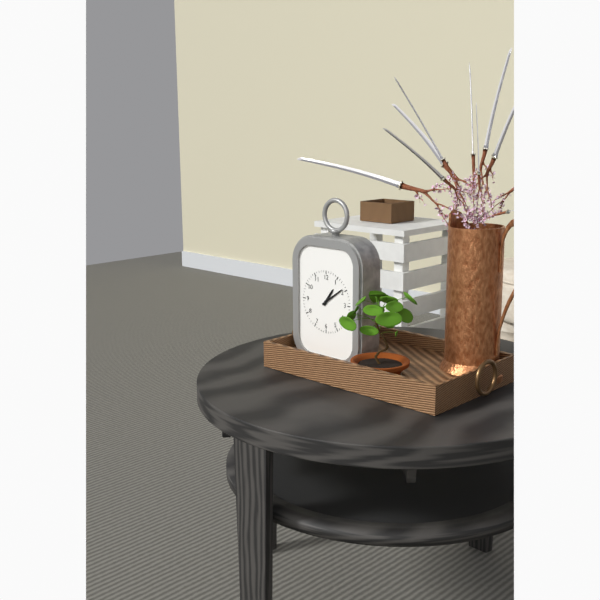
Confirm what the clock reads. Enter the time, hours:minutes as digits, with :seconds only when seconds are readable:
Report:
1:09
